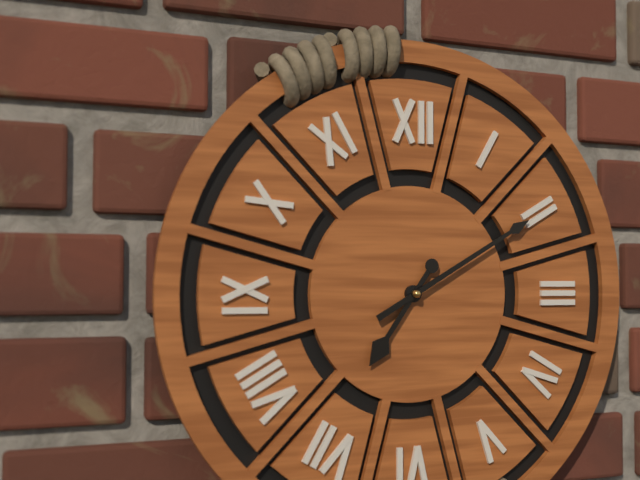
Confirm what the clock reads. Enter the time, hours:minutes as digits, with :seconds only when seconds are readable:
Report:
7:10
